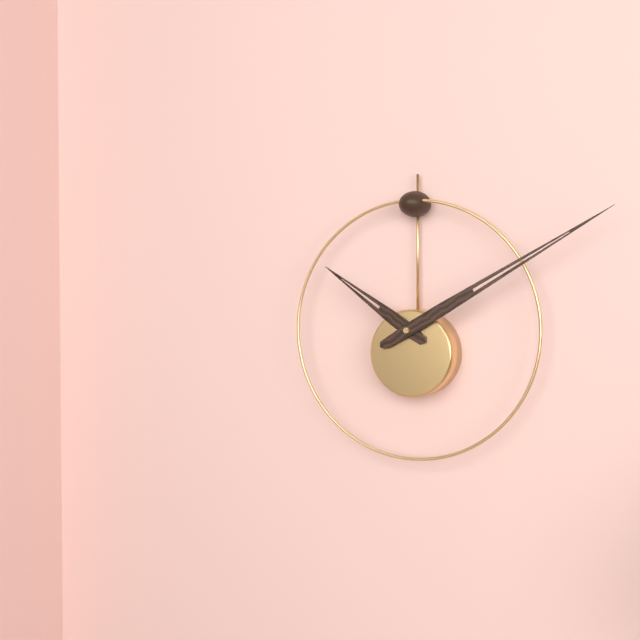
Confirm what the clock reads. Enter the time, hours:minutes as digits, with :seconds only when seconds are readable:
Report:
10:10
